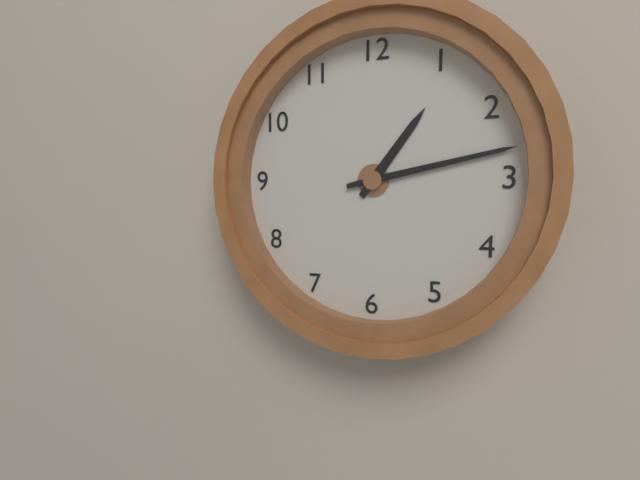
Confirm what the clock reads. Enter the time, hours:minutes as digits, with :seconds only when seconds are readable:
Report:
1:13
